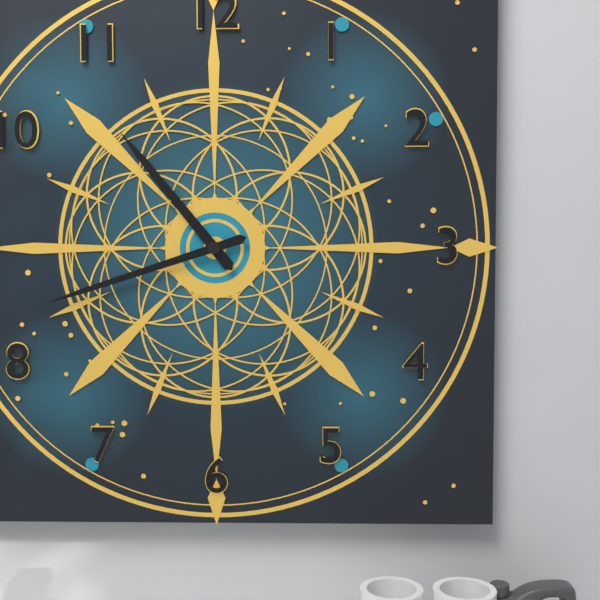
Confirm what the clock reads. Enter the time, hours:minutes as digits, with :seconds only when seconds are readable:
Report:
10:42
